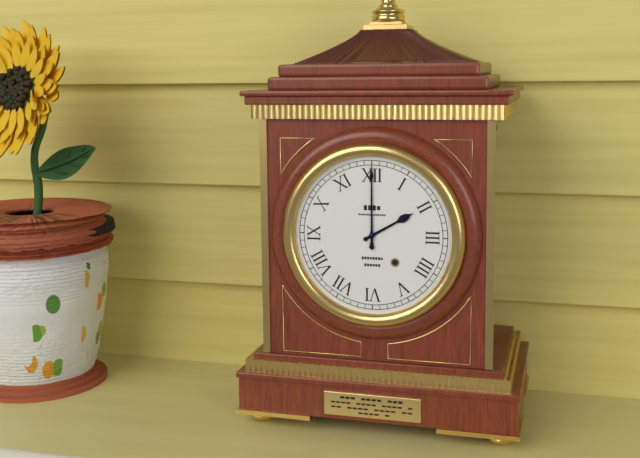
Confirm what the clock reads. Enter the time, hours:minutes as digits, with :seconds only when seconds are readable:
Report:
2:00
